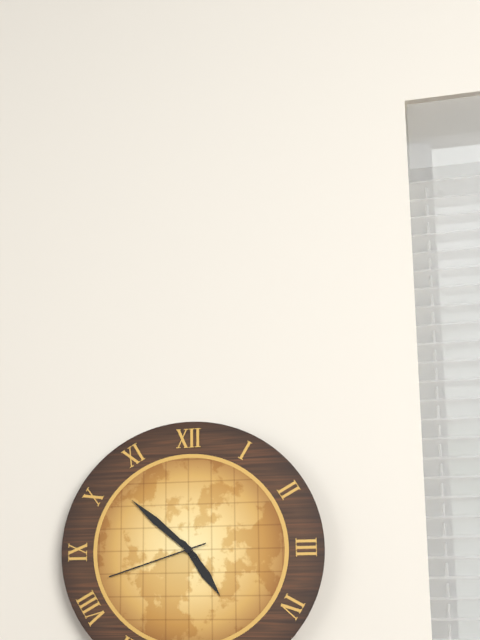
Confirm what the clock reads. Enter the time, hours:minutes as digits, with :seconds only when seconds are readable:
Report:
4:52:42
